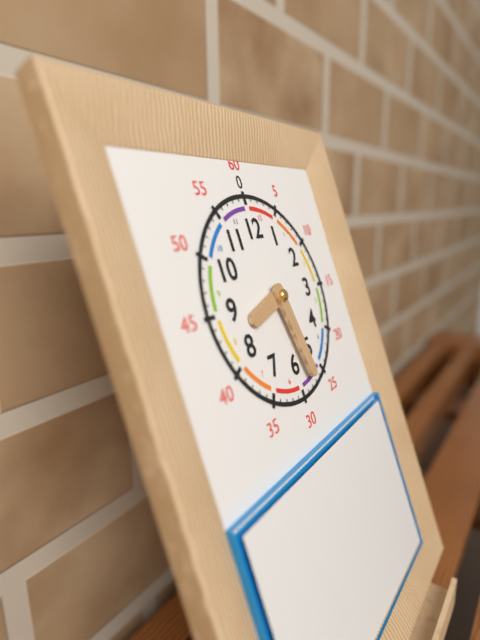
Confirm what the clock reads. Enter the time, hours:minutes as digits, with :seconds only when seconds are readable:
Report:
8:28
